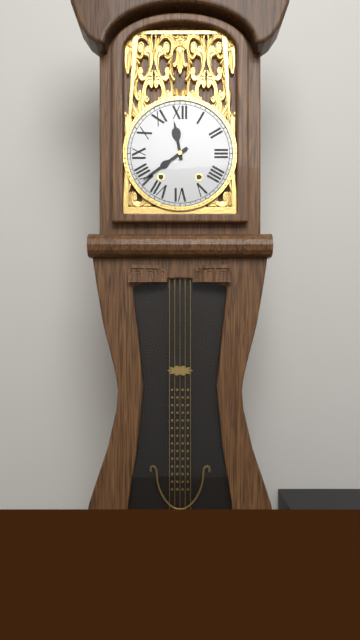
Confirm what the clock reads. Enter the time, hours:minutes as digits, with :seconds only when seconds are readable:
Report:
11:39
